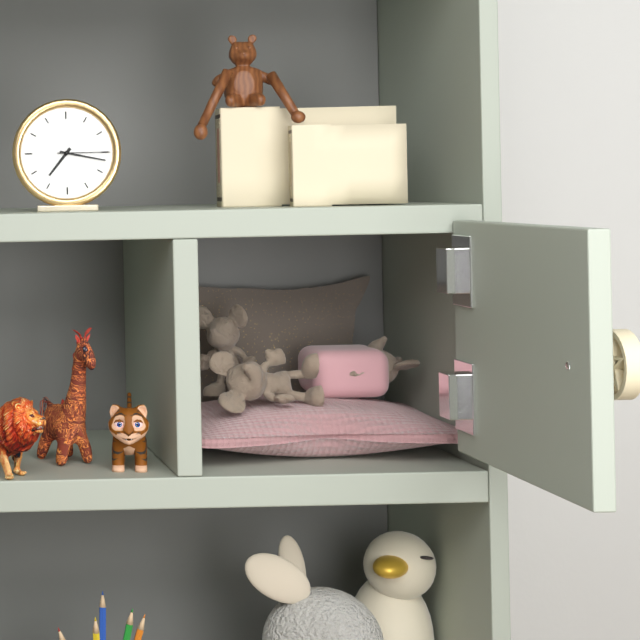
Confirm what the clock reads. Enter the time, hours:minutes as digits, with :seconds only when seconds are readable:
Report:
7:17:15
